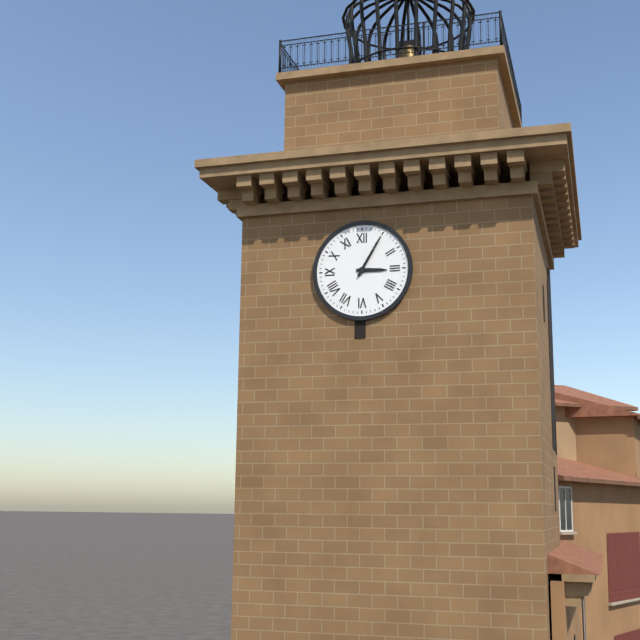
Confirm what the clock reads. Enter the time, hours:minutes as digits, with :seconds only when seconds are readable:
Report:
3:05
